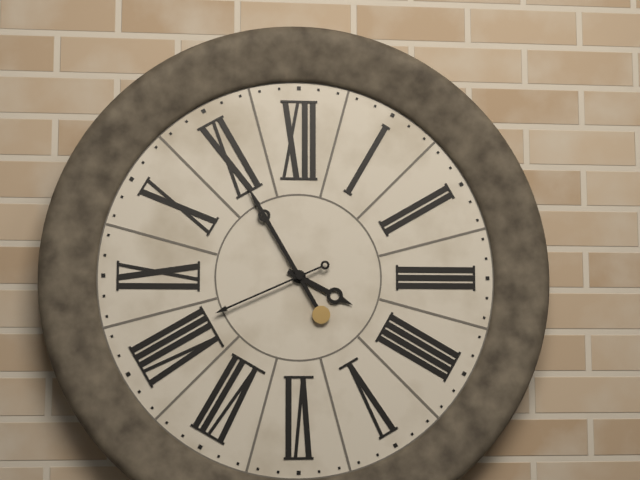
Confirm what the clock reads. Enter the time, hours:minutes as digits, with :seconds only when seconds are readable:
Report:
3:55:41
